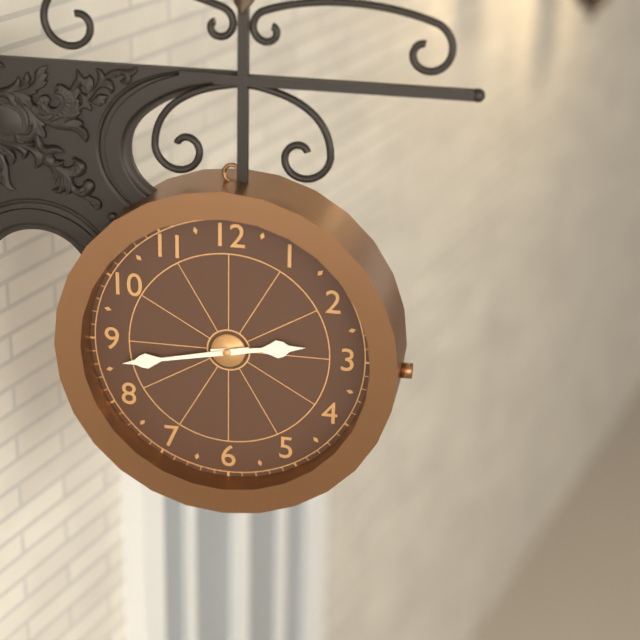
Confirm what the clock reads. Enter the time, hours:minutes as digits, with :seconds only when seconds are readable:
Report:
2:43
